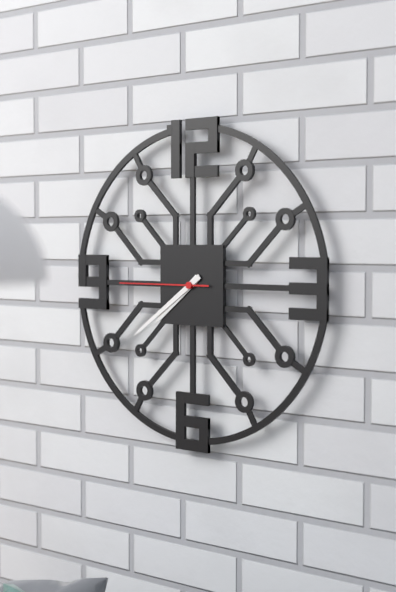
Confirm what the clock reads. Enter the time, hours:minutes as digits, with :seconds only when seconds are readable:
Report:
7:39:45
